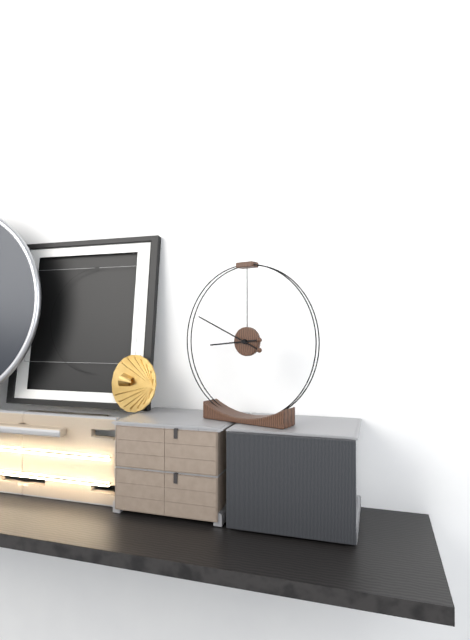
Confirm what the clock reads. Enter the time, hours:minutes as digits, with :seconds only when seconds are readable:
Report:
8:49
